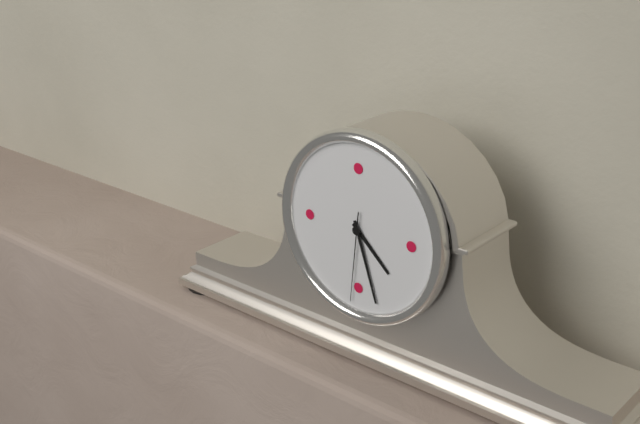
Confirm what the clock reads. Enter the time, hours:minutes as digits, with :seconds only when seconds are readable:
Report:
4:27:31
